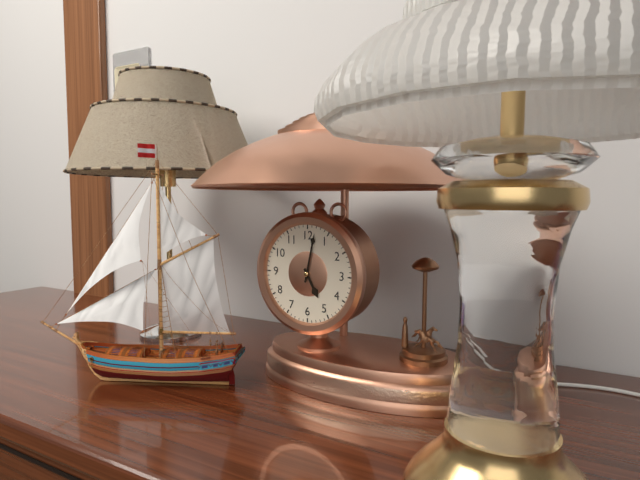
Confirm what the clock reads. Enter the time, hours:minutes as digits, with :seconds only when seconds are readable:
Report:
5:02
